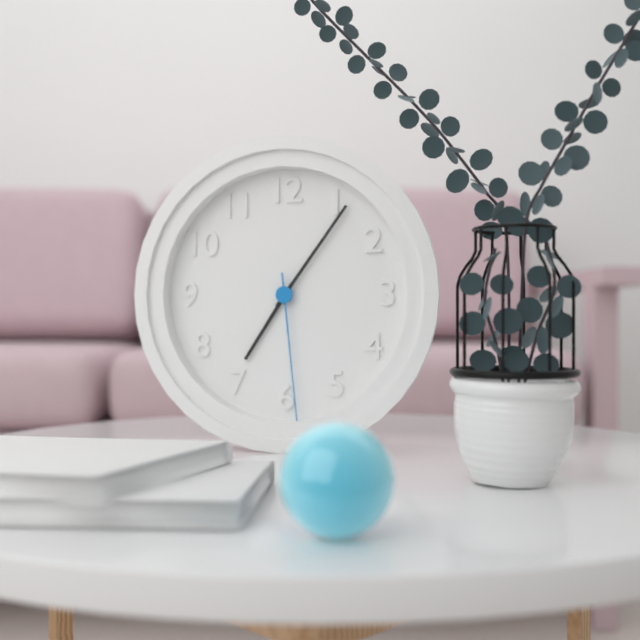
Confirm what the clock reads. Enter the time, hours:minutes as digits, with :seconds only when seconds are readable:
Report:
7:06:29
